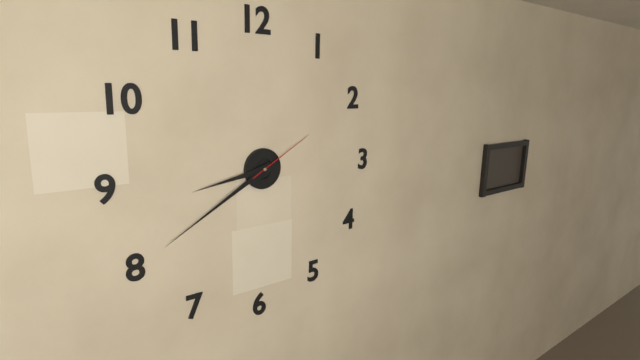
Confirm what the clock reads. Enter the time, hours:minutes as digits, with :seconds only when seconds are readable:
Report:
8:40:10
